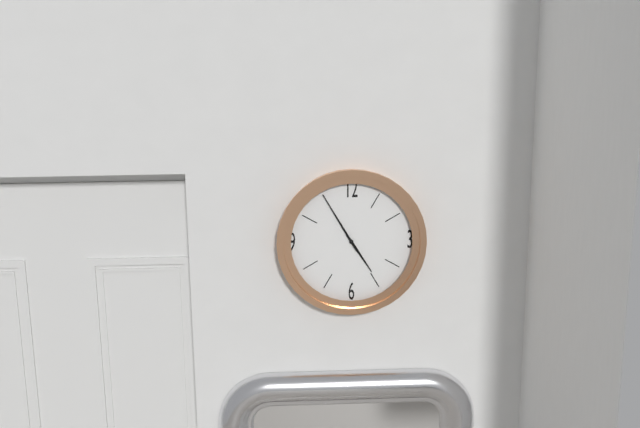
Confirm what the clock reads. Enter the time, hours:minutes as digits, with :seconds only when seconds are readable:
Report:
4:55
